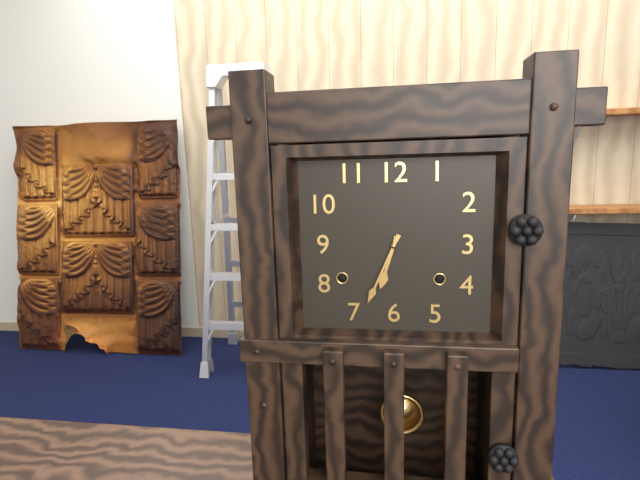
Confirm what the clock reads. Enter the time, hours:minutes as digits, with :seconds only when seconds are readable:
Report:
6:34
